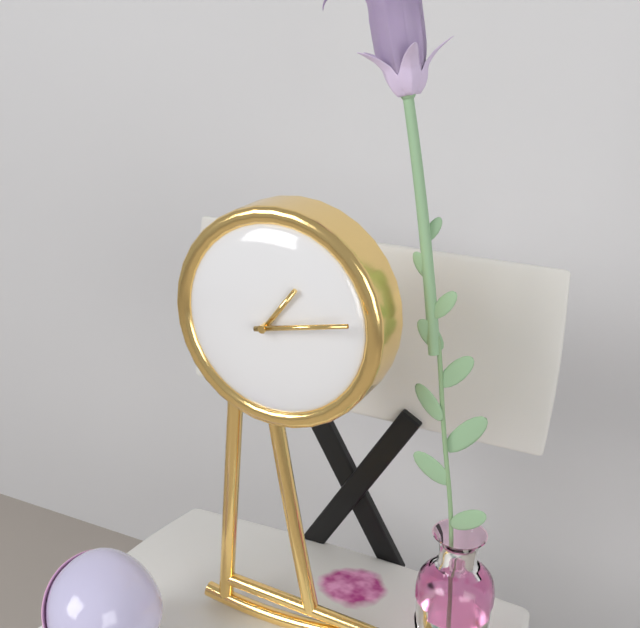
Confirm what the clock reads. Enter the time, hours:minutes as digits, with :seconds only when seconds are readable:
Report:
1:13
